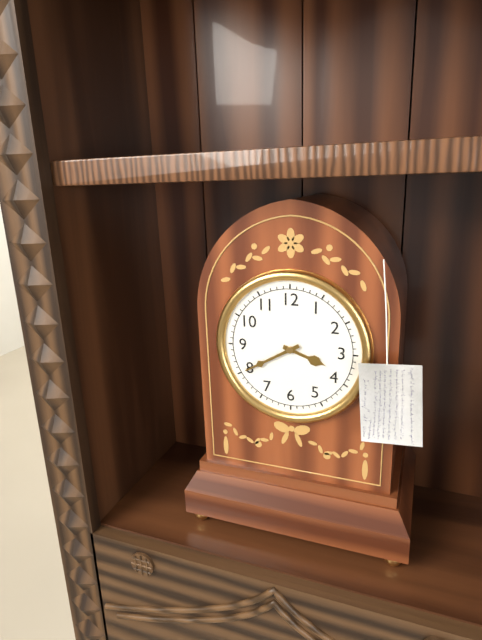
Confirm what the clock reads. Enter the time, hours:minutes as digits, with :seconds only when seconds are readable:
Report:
3:40
